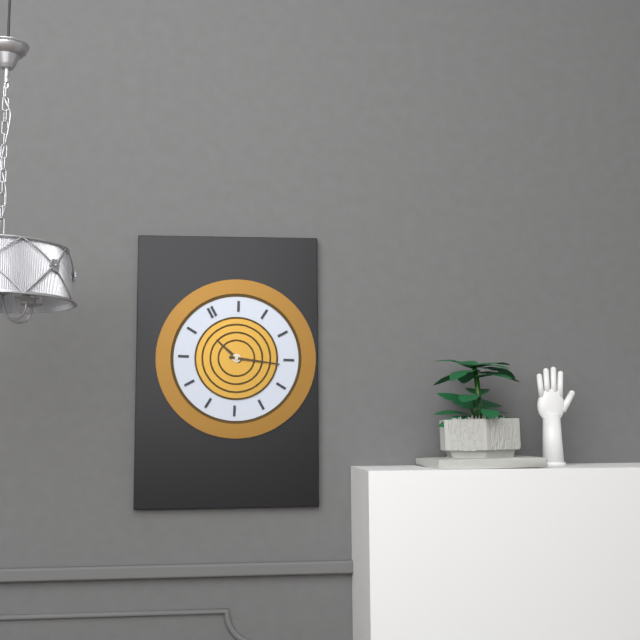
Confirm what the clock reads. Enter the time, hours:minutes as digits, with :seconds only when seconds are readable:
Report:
11:21
